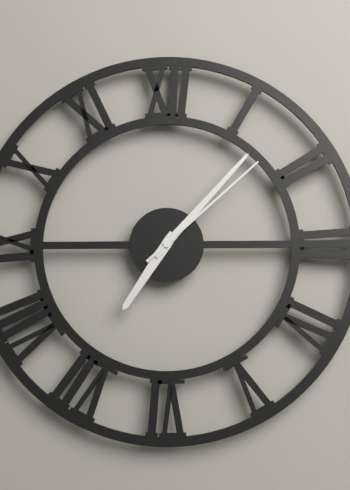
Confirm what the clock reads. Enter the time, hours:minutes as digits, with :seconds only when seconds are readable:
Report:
7:07:08
